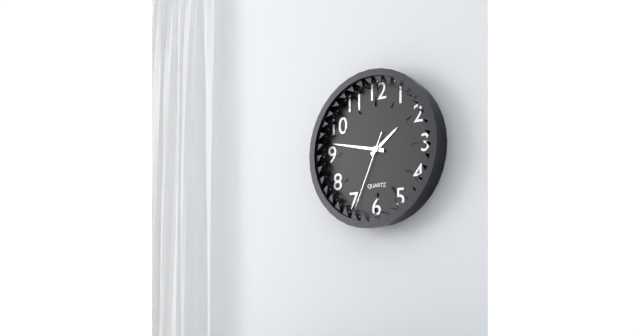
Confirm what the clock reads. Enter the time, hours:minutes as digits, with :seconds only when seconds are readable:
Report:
1:47:34
